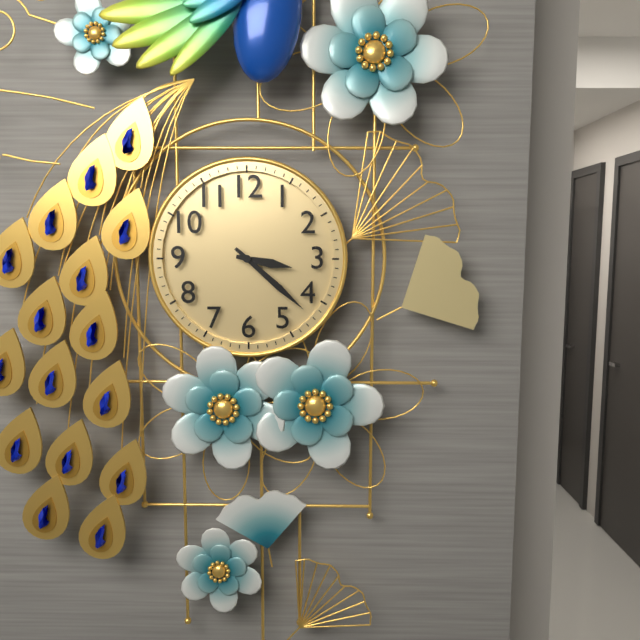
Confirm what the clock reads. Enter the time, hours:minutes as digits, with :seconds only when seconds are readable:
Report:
3:22
